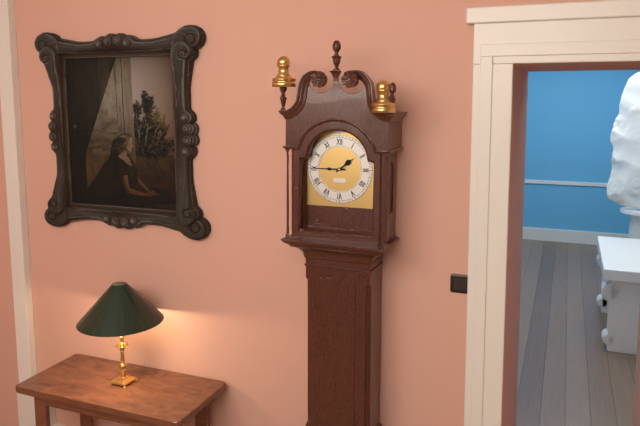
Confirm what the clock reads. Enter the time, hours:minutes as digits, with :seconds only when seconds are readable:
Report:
1:45
